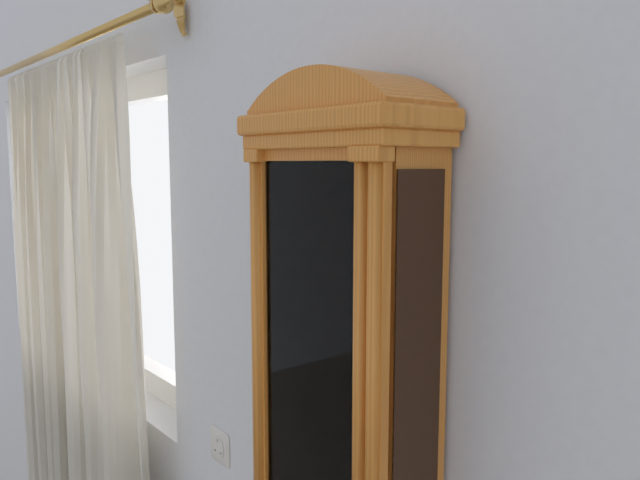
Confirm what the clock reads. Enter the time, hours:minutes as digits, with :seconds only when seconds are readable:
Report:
8:03
